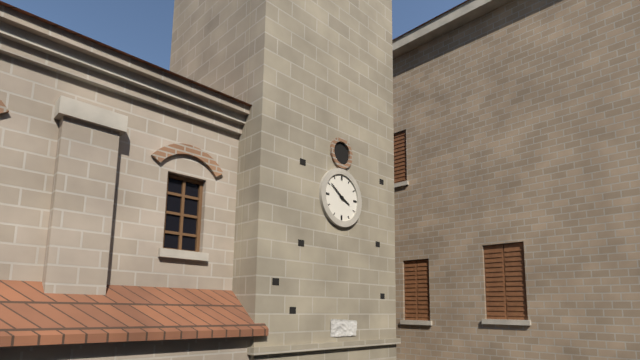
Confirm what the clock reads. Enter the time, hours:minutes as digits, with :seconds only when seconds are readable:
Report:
3:51
